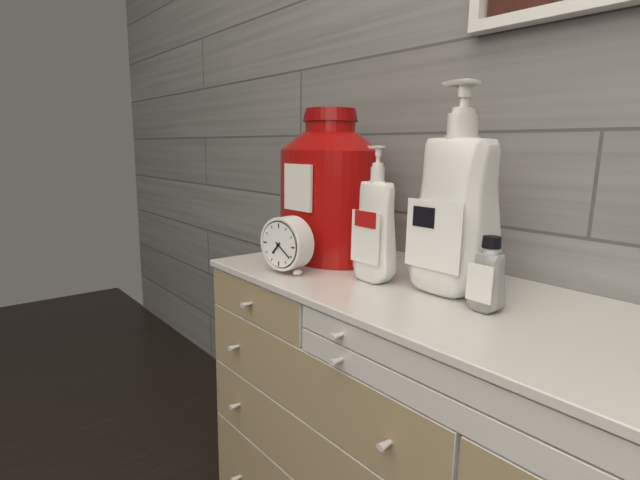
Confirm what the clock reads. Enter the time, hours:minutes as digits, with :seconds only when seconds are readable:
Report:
7:21
